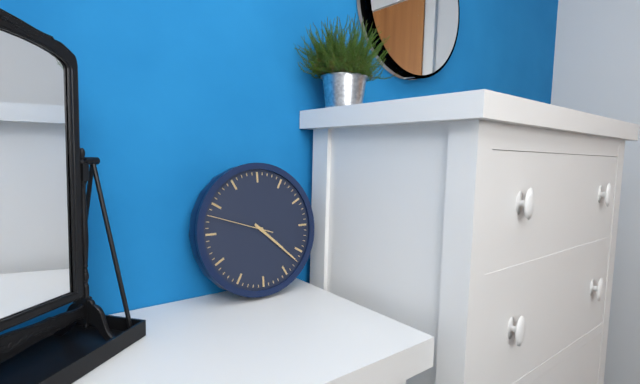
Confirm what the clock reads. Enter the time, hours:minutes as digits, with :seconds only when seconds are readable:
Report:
4:22:48
